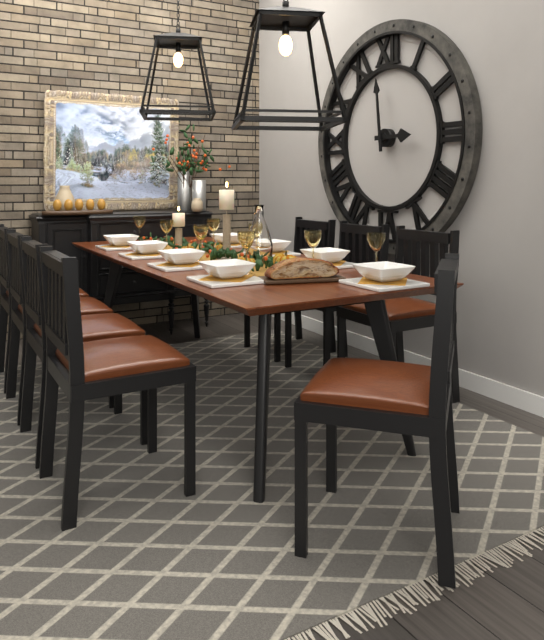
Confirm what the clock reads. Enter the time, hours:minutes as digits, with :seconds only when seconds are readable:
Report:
2:59
